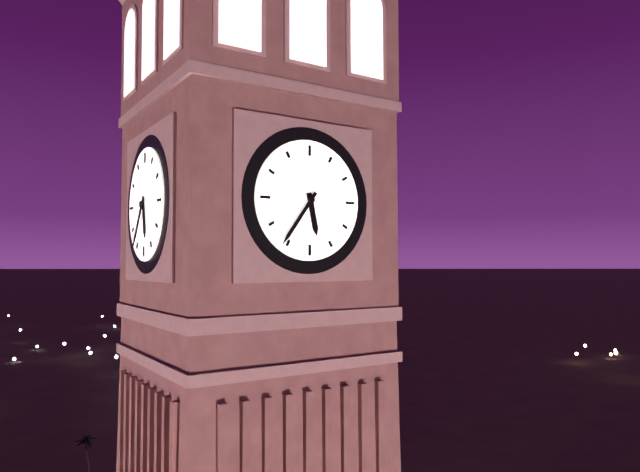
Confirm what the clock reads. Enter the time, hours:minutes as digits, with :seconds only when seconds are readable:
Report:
5:36
